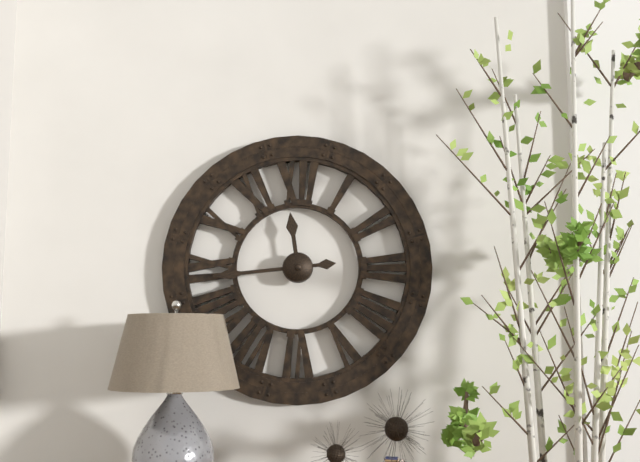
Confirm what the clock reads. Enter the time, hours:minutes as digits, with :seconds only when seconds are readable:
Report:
11:44
